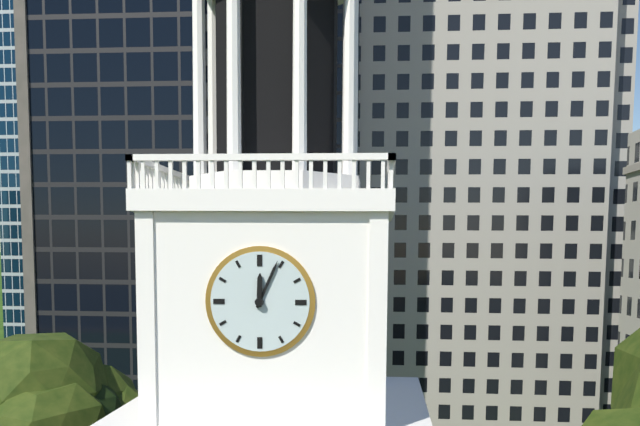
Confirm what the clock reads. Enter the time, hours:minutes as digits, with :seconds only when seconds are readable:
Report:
12:04
